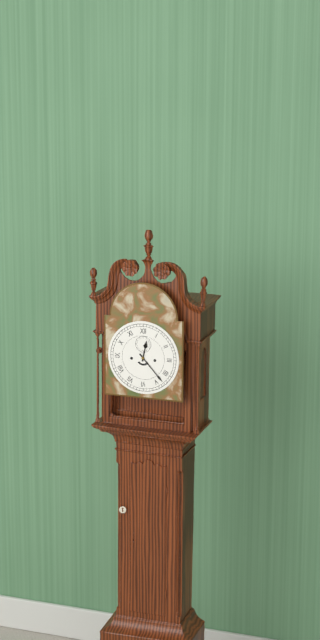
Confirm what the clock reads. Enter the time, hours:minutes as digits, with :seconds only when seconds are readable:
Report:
12:23
